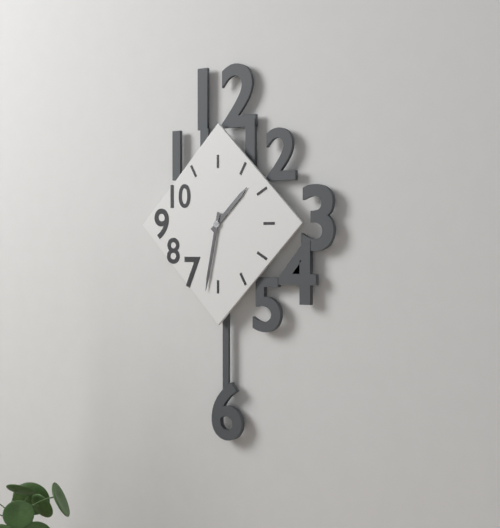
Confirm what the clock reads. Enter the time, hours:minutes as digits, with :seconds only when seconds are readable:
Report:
1:32
